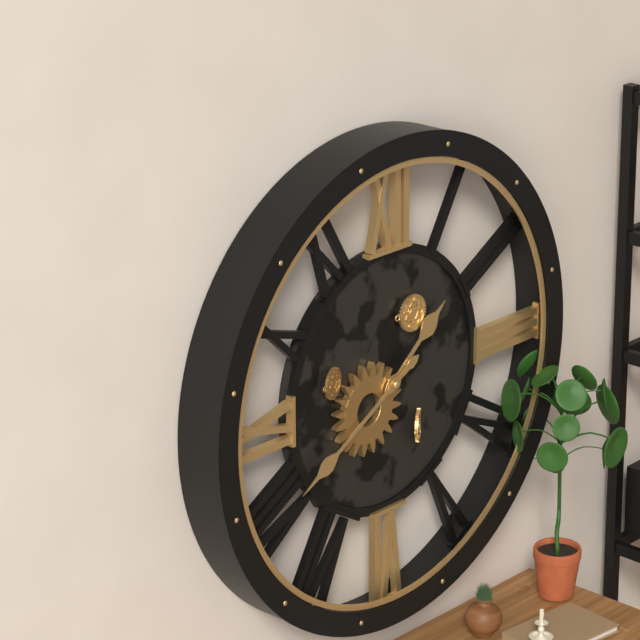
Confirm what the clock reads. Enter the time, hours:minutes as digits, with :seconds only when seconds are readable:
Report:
1:40
